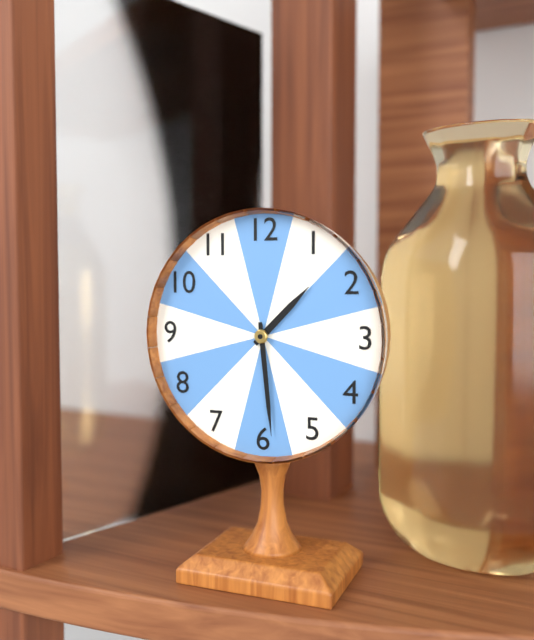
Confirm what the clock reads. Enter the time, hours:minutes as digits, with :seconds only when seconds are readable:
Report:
1:29
